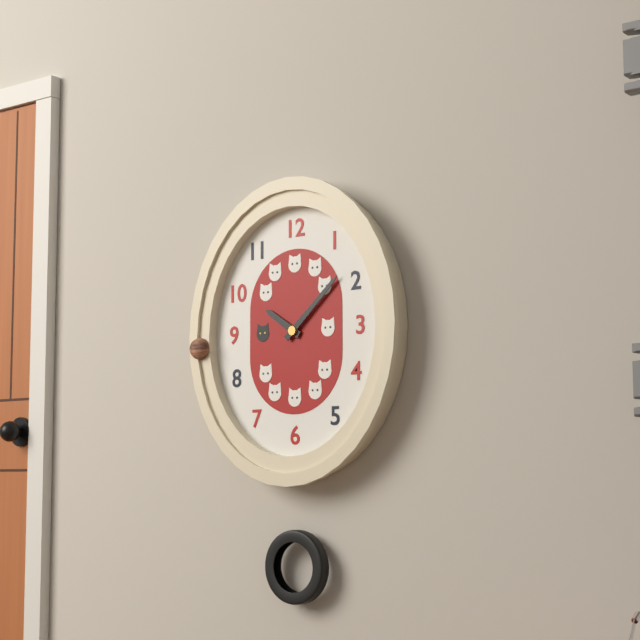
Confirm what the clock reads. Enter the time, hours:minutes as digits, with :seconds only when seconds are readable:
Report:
10:08
